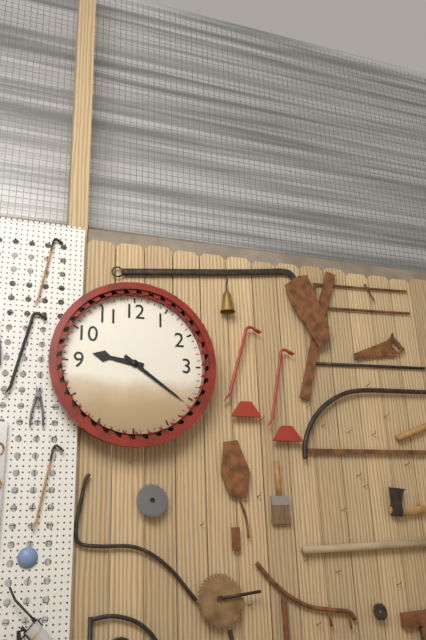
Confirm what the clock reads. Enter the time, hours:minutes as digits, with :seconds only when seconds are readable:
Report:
9:21
